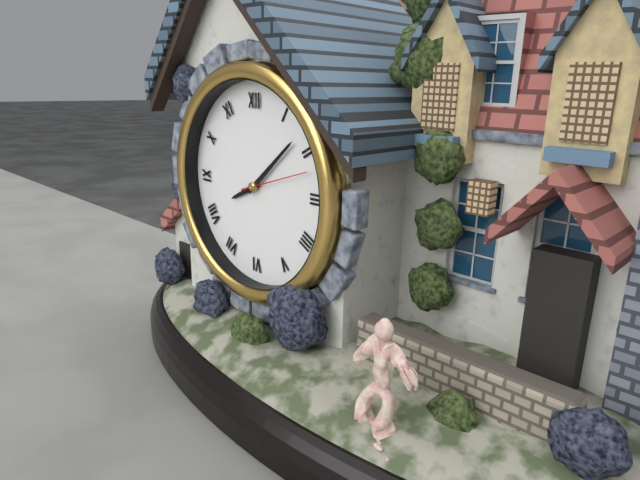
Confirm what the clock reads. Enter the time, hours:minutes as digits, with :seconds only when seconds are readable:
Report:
8:08:12
